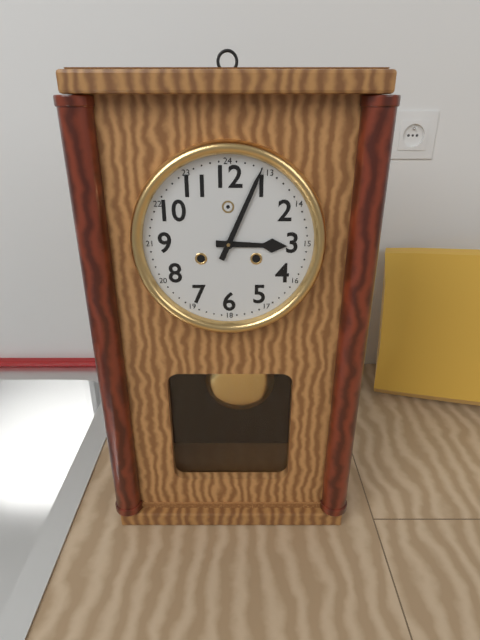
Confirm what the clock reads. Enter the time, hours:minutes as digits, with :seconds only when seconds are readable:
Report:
3:04
